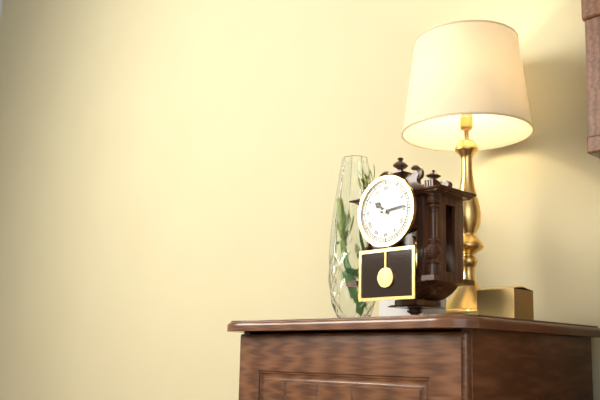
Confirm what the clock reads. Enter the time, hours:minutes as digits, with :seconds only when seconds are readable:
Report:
10:14
